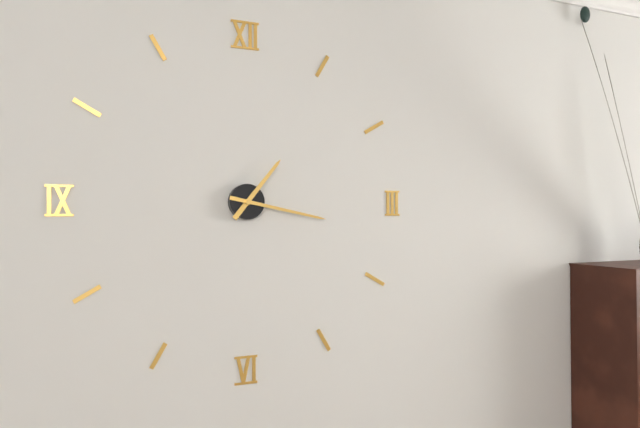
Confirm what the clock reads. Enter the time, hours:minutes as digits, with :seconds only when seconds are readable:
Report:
1:17
